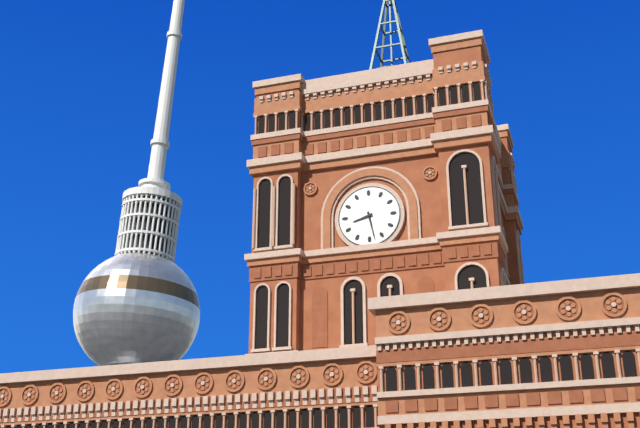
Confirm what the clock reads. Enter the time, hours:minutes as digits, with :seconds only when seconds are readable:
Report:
8:28
